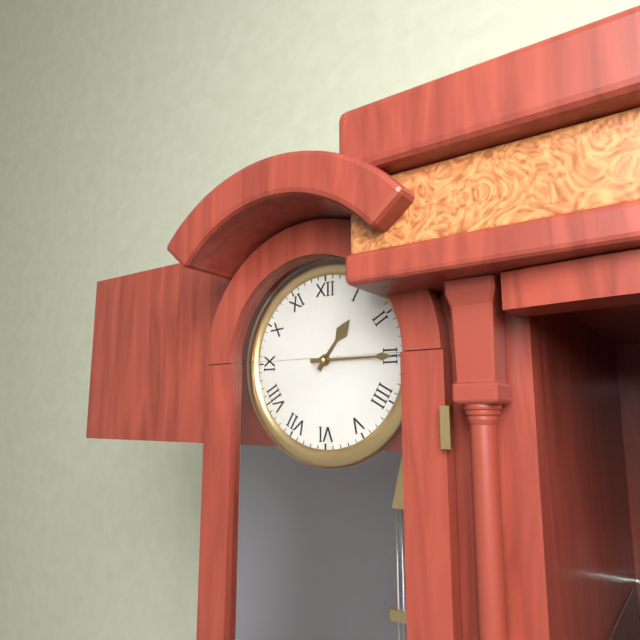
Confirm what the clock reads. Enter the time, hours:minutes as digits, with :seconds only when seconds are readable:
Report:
1:15
